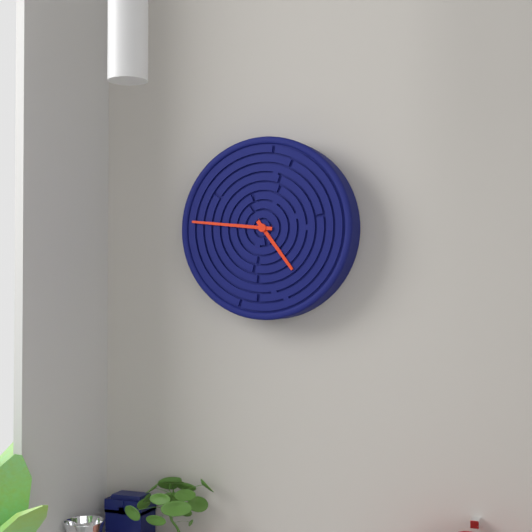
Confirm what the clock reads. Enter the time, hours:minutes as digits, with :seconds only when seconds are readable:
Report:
4:46
